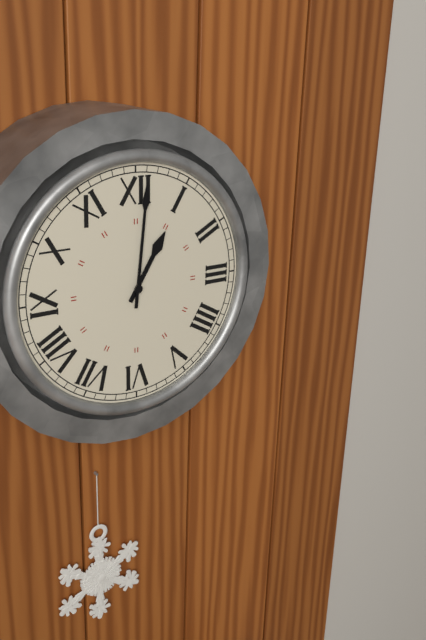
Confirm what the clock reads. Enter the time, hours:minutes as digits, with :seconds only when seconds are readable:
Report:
1:01
